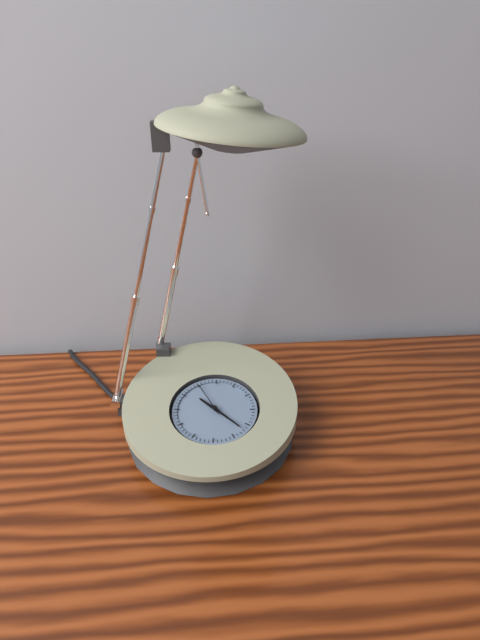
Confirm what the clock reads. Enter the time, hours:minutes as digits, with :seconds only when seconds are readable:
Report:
10:22
